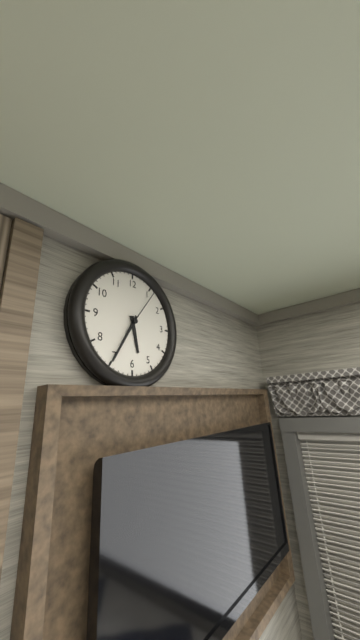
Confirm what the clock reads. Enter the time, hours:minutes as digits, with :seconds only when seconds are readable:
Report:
5:35
